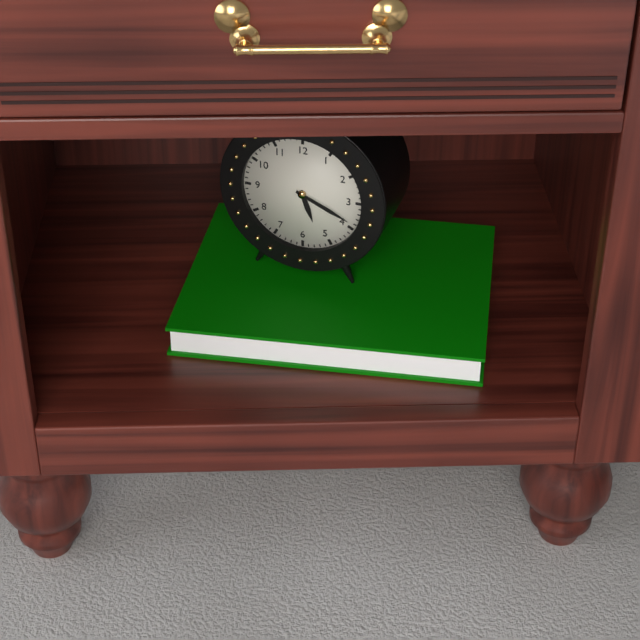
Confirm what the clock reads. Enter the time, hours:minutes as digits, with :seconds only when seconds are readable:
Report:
5:19
